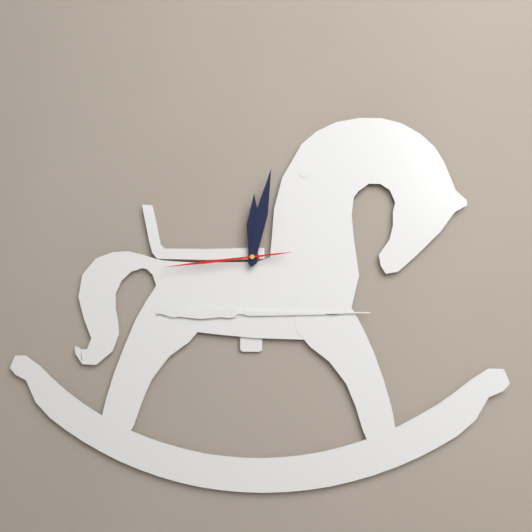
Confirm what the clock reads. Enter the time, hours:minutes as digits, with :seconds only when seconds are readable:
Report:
12:02:44
